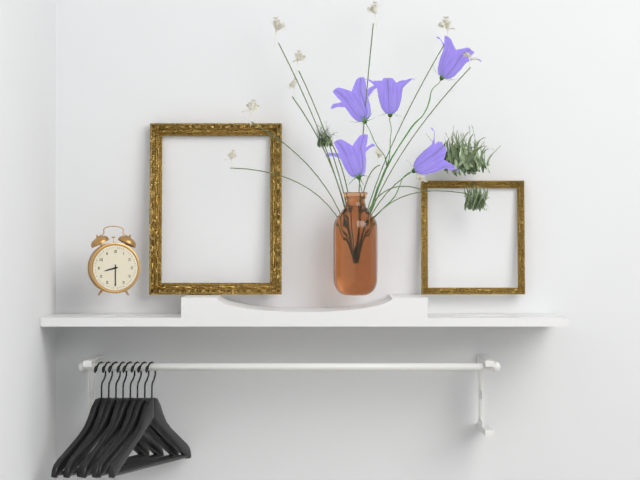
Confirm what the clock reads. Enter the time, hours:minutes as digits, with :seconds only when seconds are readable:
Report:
8:30
